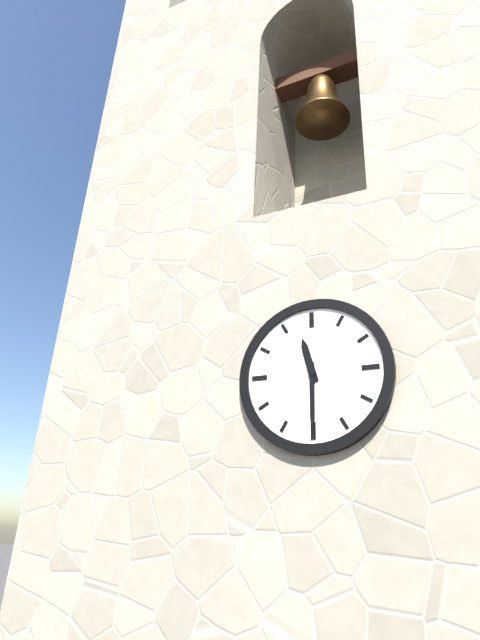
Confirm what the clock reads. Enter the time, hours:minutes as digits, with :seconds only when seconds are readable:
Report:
11:30
